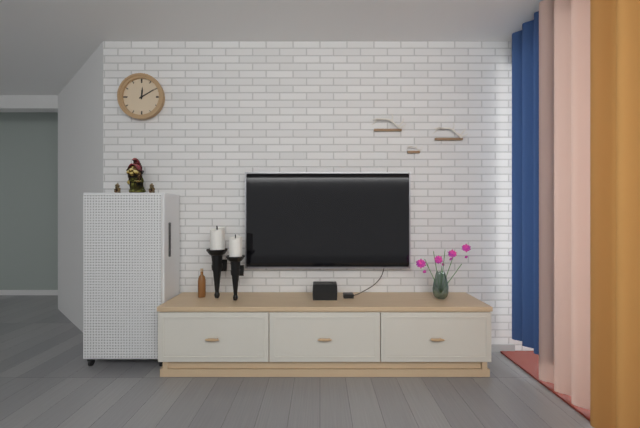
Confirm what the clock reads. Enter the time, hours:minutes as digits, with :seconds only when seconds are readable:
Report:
12:10
